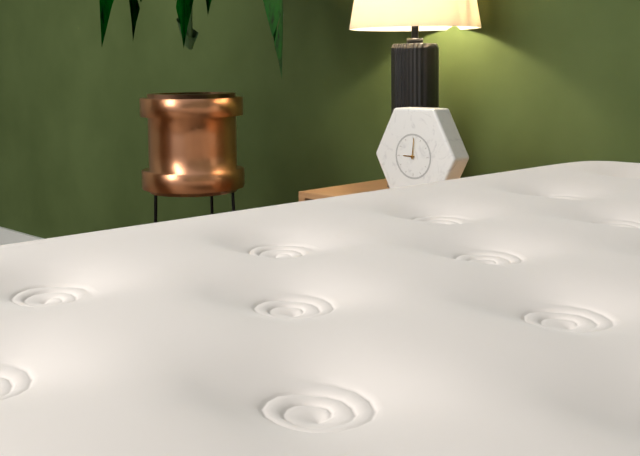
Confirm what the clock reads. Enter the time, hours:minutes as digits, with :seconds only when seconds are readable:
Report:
9:01
